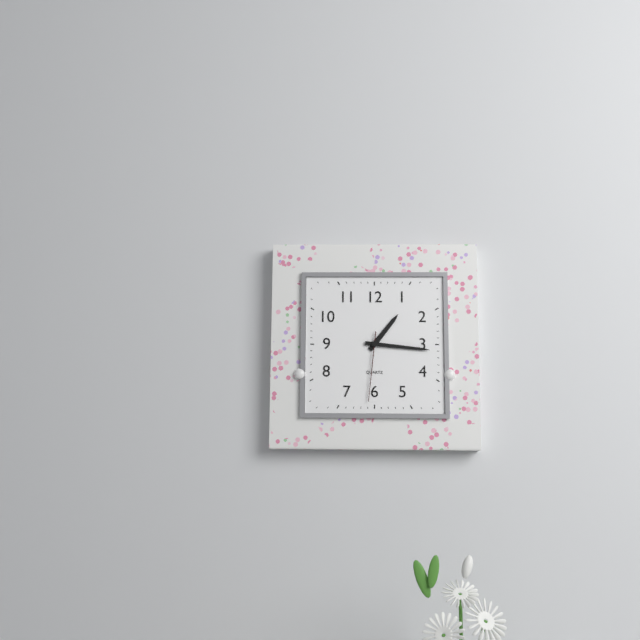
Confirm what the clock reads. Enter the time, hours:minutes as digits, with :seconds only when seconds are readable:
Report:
1:16:31
